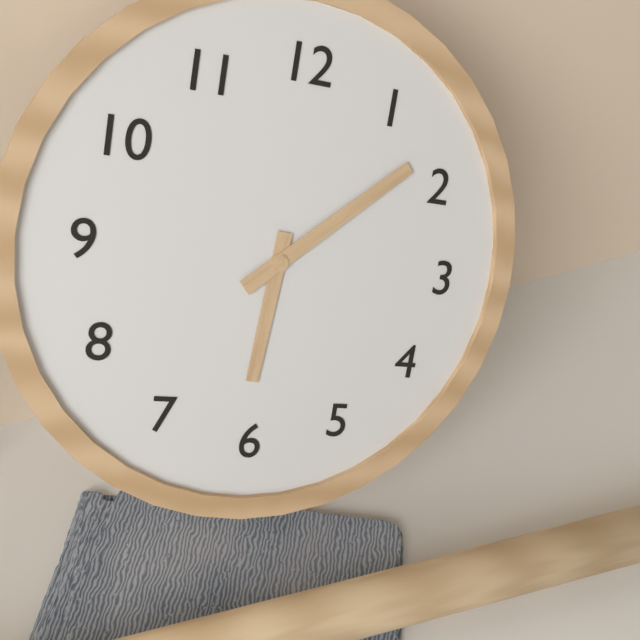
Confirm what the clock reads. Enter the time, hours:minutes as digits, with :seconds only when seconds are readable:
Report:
6:08
